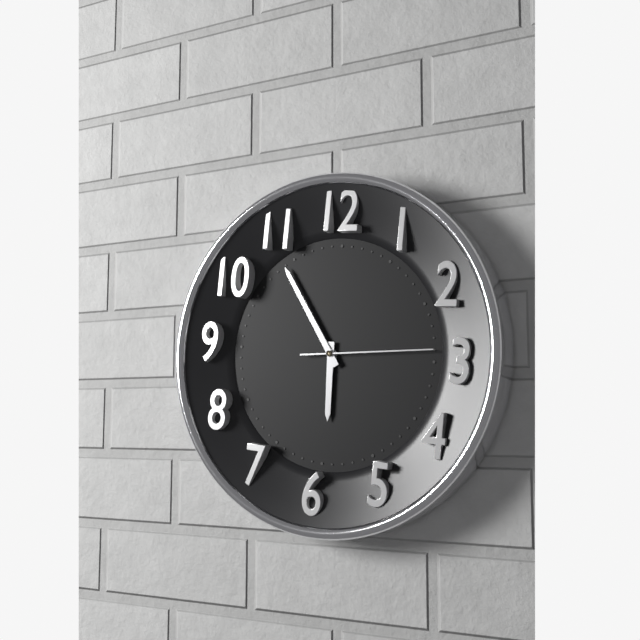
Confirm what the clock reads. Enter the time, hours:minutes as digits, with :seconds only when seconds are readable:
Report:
5:54:14
